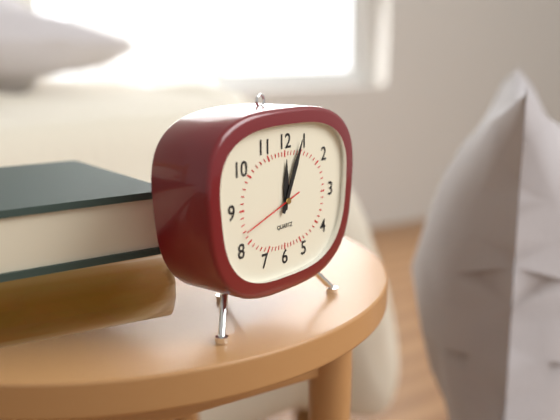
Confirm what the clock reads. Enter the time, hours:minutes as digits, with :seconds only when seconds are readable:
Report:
12:04:42
